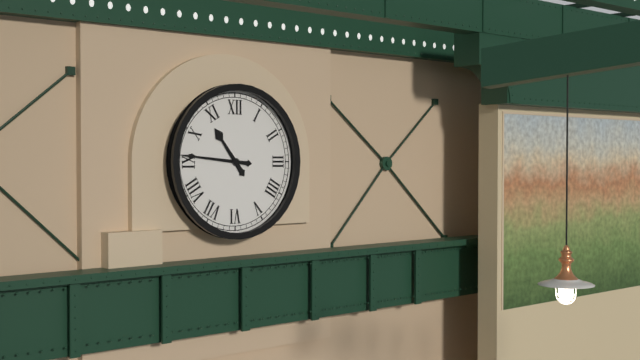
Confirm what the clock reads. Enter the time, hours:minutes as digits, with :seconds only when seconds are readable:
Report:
10:46
